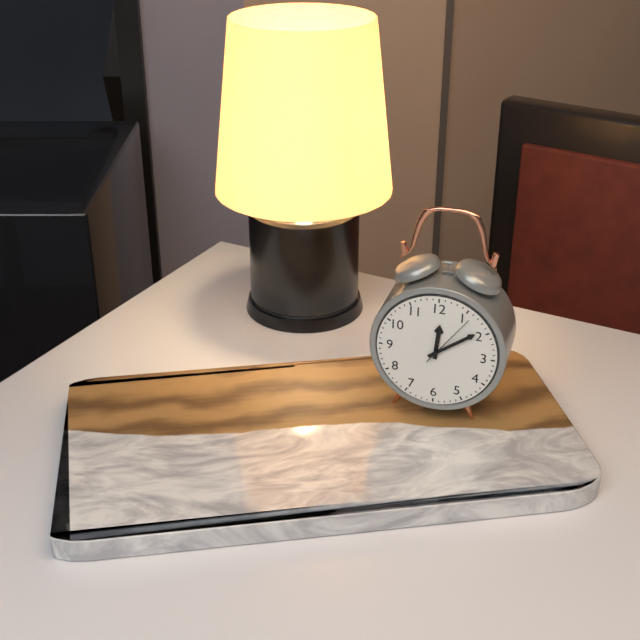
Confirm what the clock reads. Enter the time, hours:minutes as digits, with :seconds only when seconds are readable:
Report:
12:09:06
